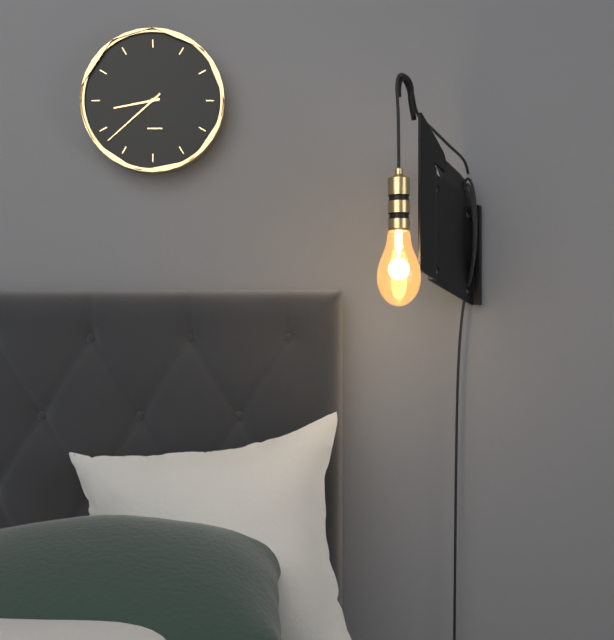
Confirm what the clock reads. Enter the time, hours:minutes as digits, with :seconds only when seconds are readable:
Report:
8:38
